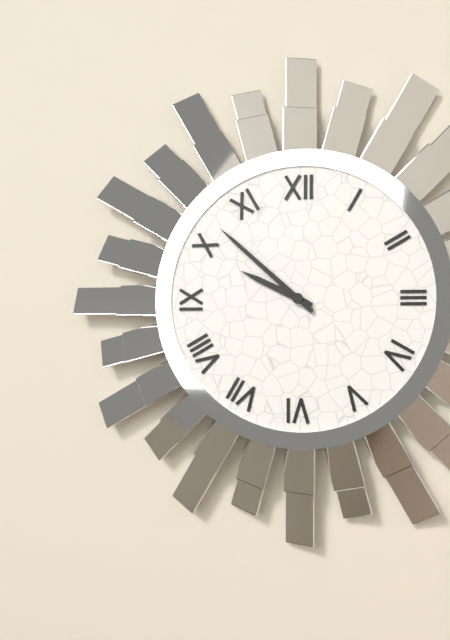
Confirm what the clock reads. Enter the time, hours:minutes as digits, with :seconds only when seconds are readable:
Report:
9:52
